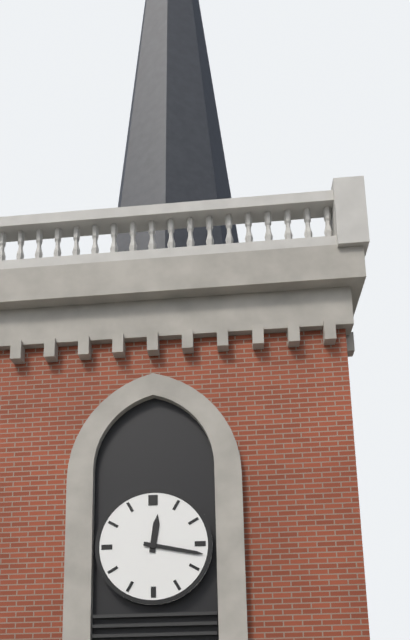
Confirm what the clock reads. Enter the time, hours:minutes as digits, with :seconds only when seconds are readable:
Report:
12:17
